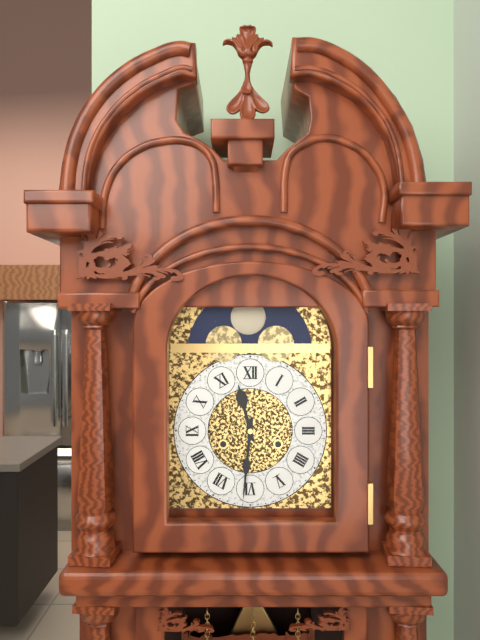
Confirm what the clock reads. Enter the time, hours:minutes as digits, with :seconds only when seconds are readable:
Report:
11:31
